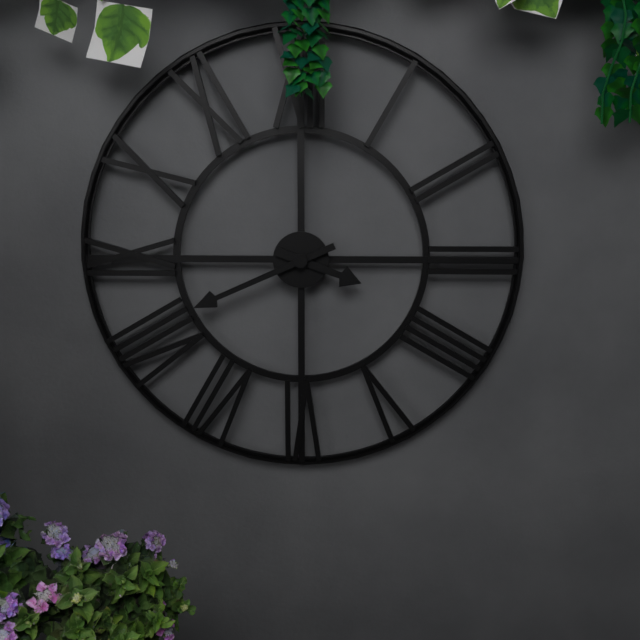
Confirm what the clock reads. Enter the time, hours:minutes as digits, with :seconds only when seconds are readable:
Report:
3:41
